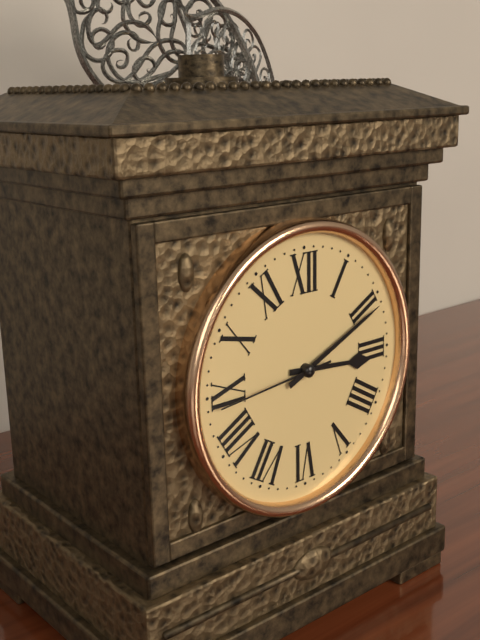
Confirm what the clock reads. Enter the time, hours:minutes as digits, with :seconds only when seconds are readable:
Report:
3:11:44
